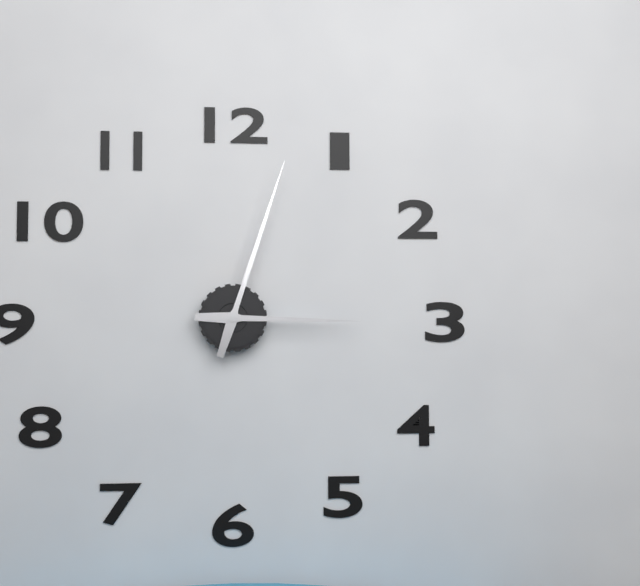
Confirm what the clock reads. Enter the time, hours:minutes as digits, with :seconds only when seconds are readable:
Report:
3:03
